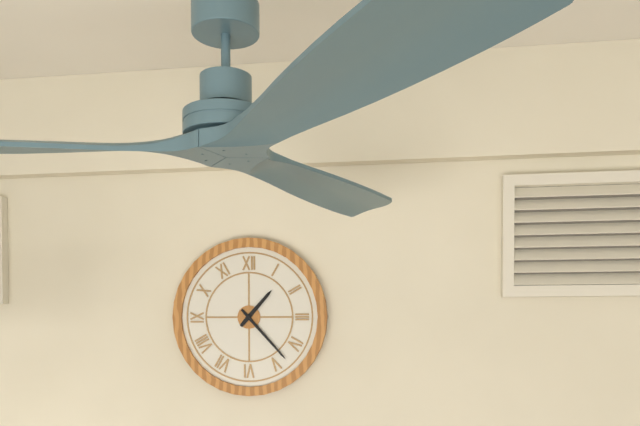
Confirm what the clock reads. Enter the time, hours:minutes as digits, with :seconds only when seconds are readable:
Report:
1:23
